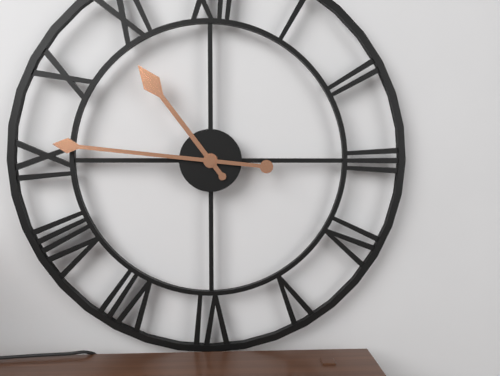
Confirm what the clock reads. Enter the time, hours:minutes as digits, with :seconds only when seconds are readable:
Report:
10:46
